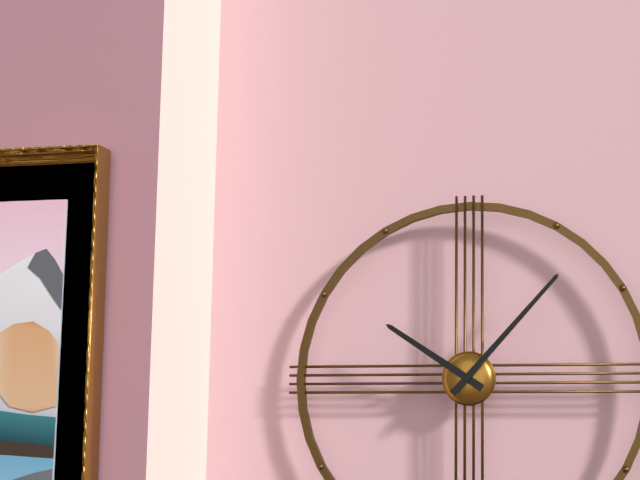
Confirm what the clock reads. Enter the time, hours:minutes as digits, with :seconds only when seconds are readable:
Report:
10:07
